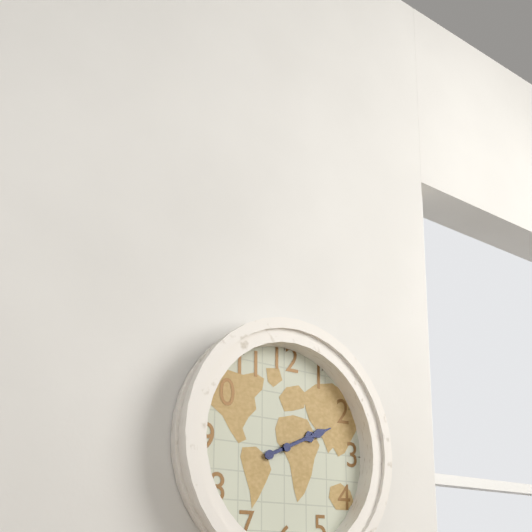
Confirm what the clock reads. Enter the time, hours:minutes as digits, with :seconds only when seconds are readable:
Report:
2:11
